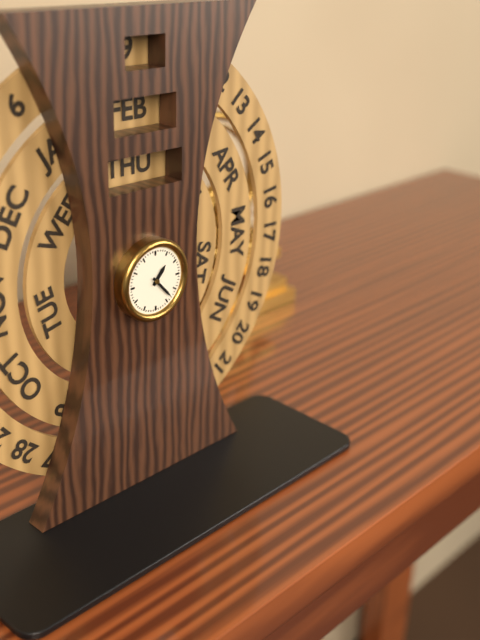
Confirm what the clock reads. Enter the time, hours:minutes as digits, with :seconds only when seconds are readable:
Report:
1:23
